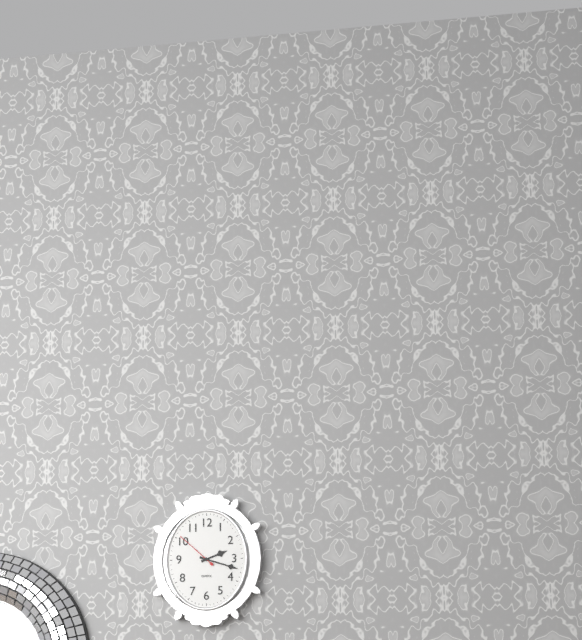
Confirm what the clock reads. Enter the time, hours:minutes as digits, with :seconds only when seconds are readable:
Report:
2:18
